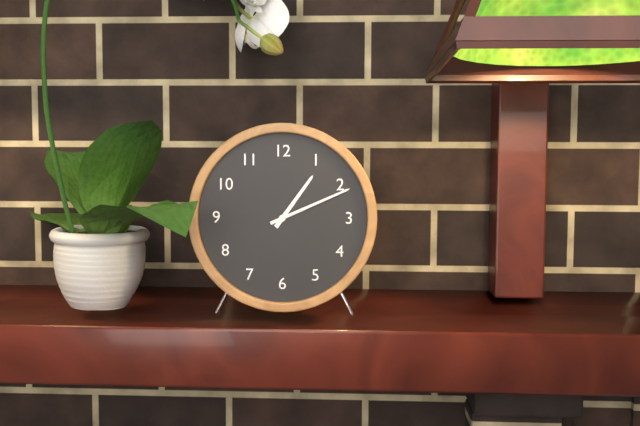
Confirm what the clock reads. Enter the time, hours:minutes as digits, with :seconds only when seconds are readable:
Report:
1:11
